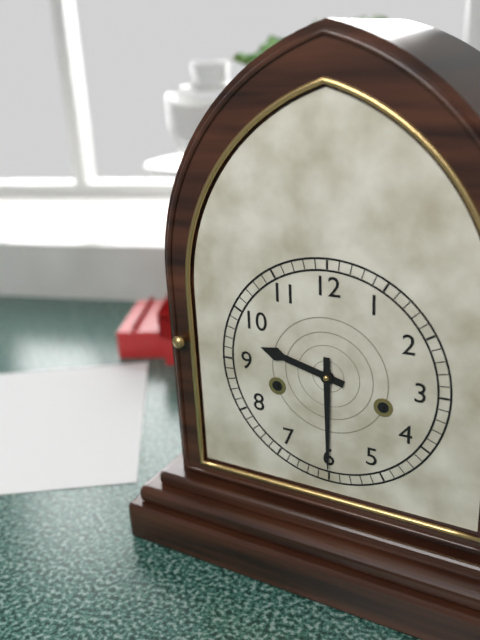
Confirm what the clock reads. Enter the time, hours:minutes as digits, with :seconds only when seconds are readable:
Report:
9:30
